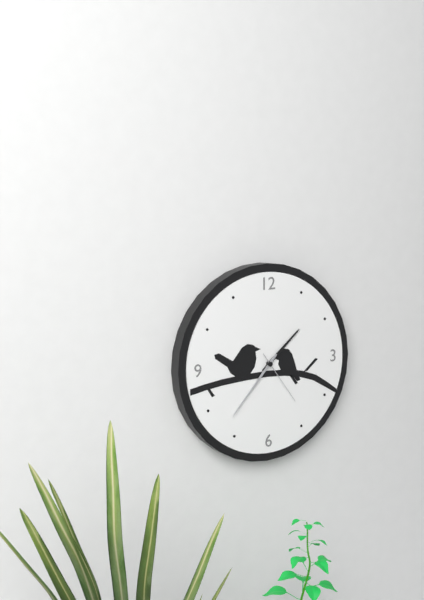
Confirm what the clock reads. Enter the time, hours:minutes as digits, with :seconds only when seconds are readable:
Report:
1:37:24
